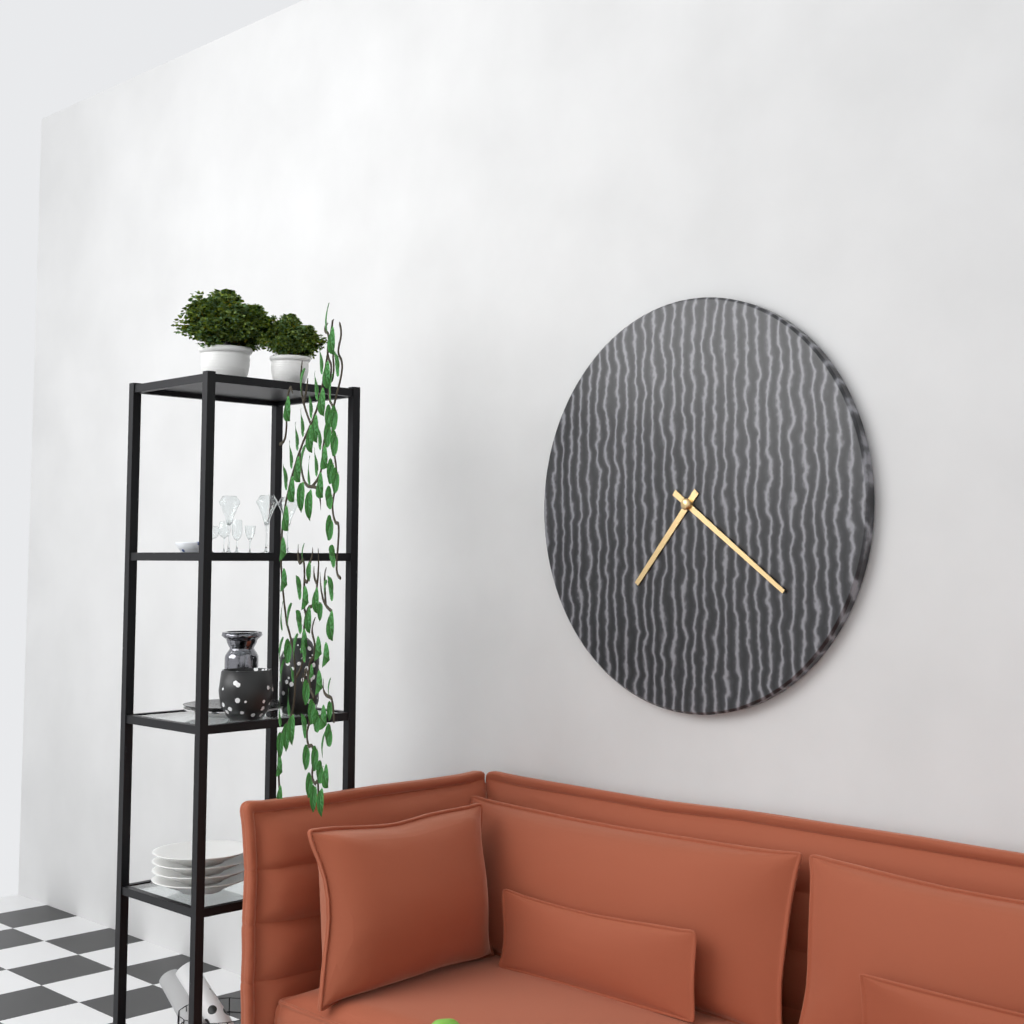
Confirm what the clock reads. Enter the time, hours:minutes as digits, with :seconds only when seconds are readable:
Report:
7:21
